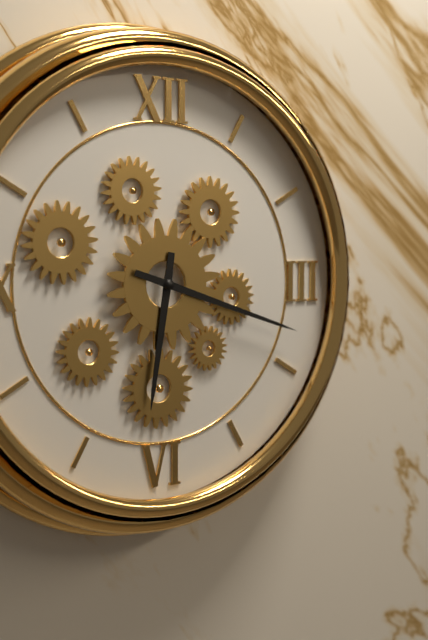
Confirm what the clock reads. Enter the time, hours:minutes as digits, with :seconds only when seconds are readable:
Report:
6:18
